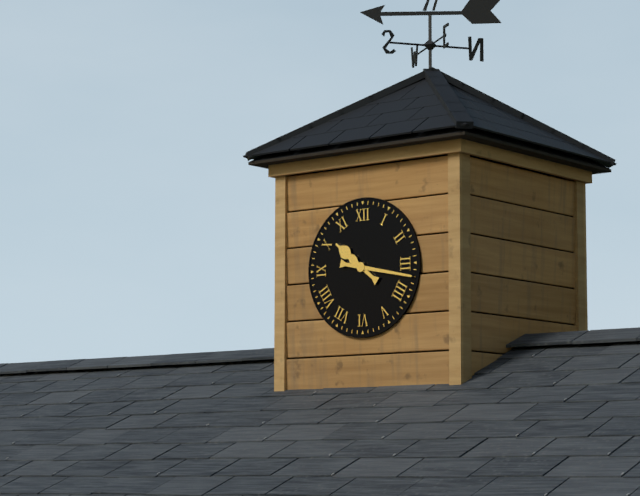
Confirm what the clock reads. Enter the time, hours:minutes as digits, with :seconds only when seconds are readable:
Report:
10:17
